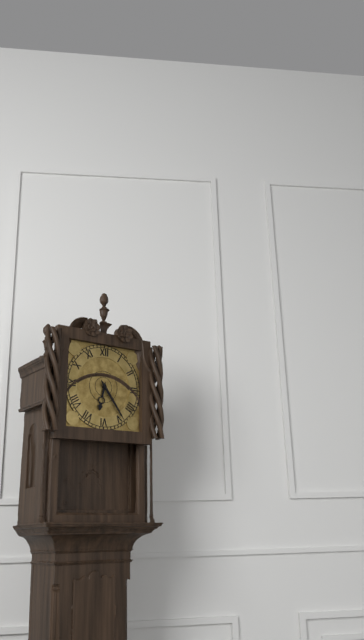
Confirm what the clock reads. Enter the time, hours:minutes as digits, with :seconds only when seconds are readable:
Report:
6:24
